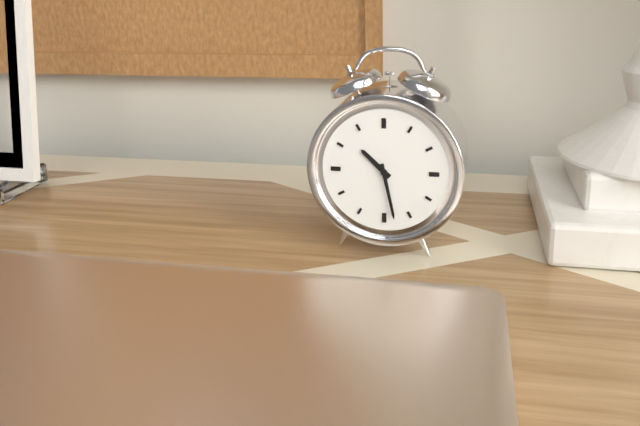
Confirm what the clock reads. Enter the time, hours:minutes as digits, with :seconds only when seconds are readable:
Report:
10:28
